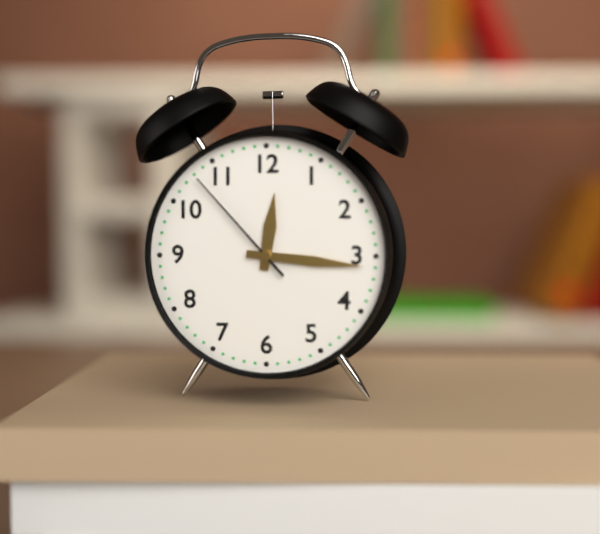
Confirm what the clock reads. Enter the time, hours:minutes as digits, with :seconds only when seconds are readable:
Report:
12:16:53
